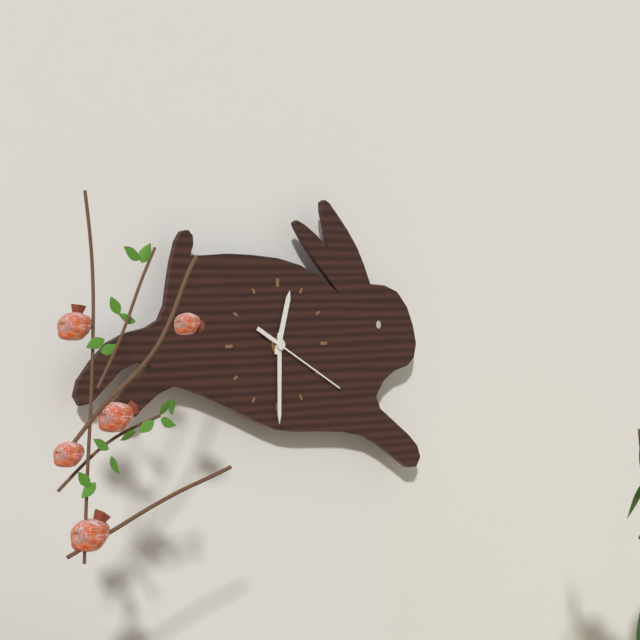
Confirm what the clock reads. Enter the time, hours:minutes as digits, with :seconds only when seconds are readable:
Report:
12:30:20
